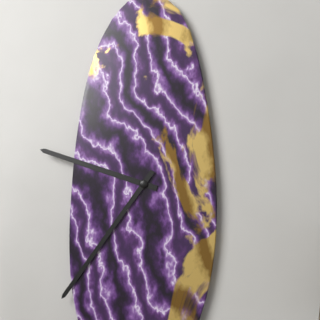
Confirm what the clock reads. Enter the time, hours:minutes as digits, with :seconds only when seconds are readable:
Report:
9:36
